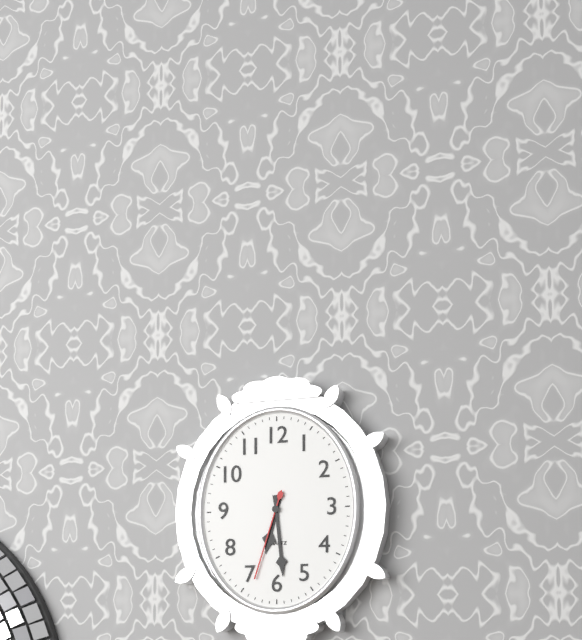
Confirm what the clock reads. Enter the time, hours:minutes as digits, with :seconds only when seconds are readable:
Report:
6:29:33
